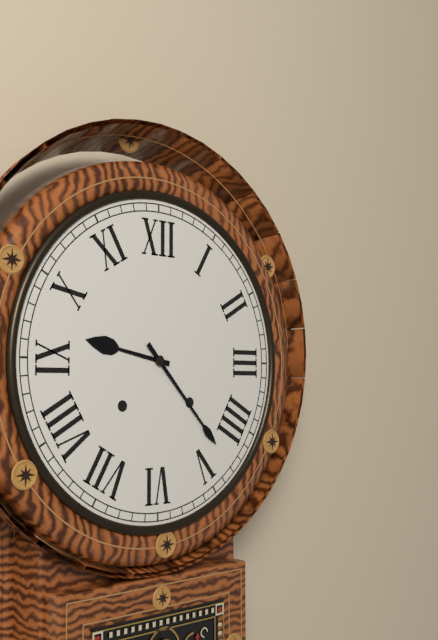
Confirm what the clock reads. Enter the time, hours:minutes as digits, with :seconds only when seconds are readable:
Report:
9:23
